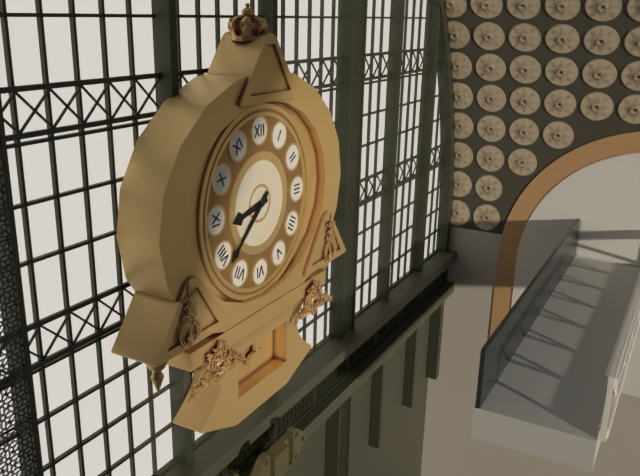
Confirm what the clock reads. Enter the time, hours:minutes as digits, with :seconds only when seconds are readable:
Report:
8:38
